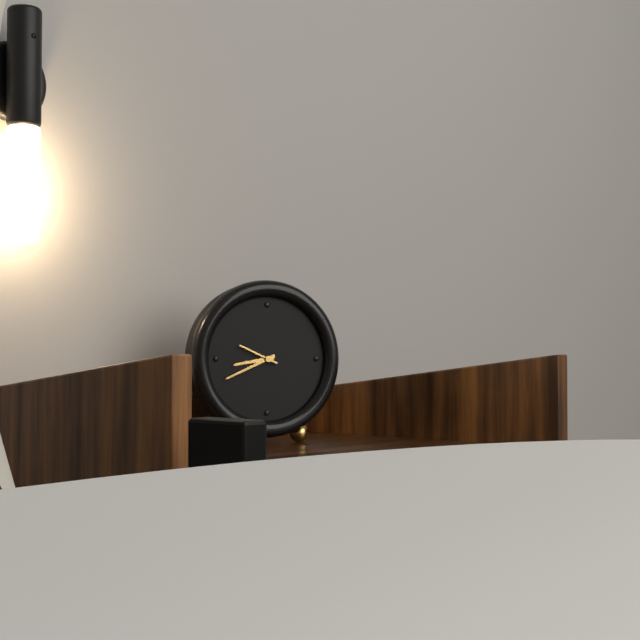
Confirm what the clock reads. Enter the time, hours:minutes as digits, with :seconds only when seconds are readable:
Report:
8:41
